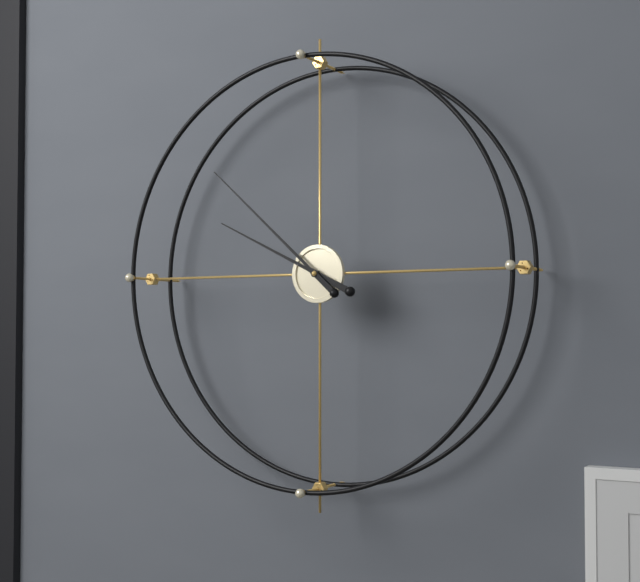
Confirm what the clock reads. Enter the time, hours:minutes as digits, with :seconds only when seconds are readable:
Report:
9:52
